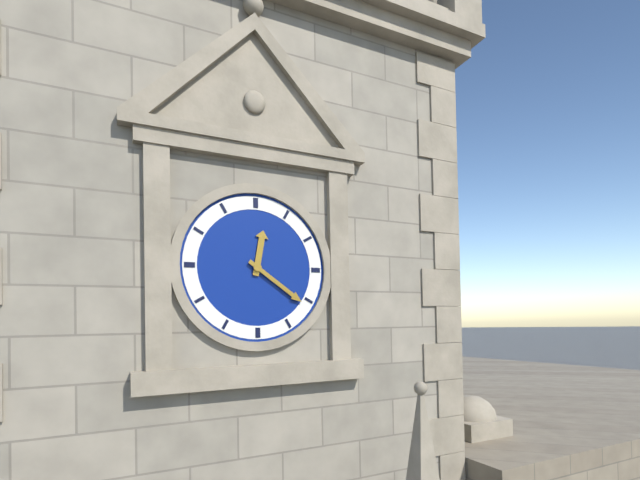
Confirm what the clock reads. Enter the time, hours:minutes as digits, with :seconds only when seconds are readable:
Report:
12:21
